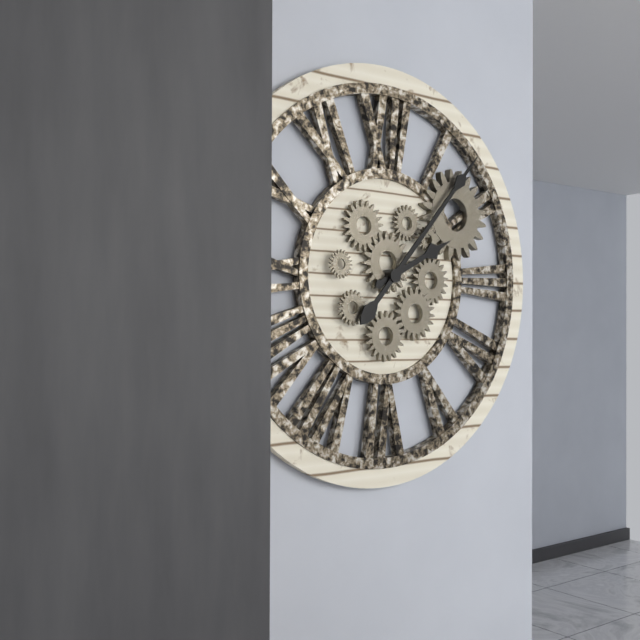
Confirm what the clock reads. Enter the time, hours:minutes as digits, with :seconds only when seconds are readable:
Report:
2:07
